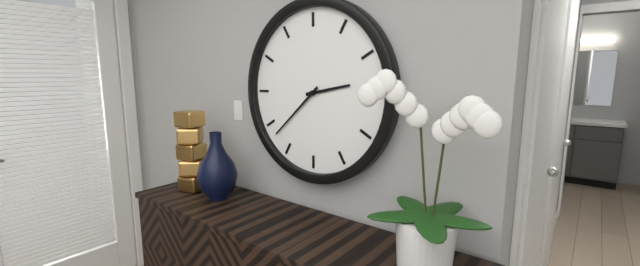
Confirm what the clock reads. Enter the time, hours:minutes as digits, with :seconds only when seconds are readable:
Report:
2:38
